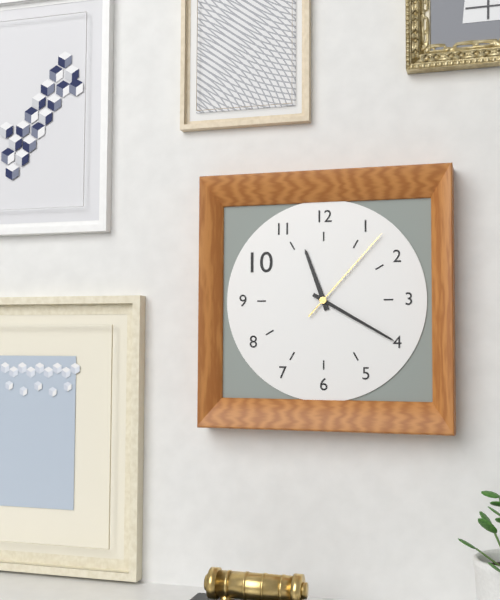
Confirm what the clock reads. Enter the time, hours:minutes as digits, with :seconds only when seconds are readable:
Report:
11:20:07
